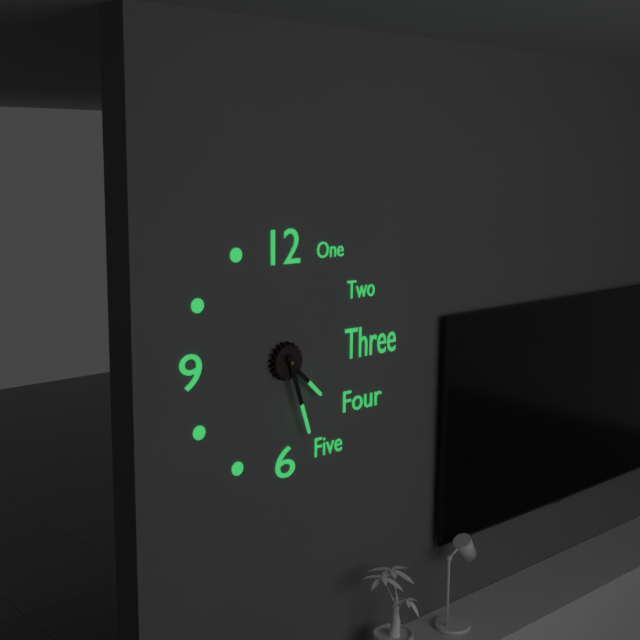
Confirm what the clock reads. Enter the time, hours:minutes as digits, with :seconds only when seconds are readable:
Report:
4:27
